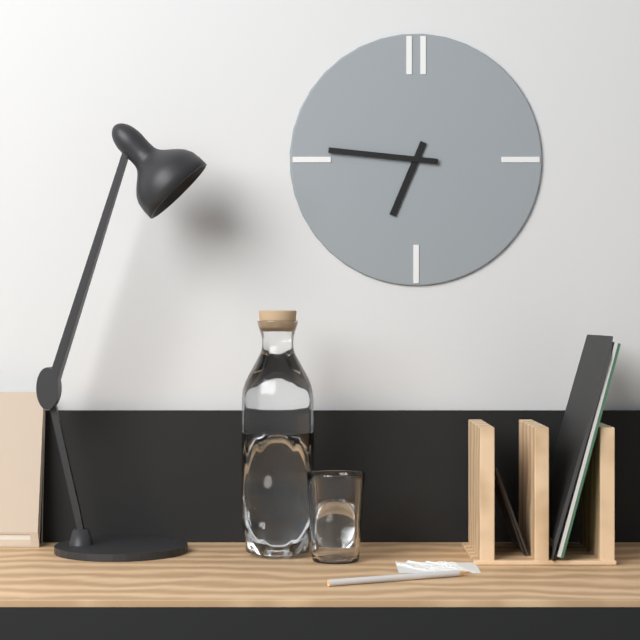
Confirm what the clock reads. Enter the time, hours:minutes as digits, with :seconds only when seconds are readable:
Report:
6:46
